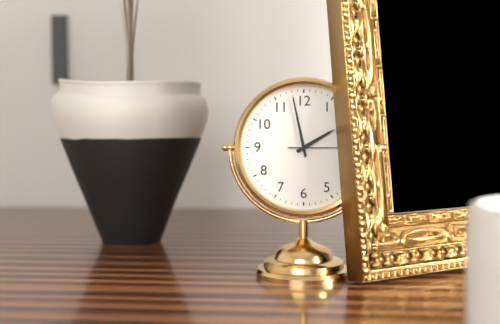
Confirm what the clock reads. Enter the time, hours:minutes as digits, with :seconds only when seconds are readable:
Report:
1:58
